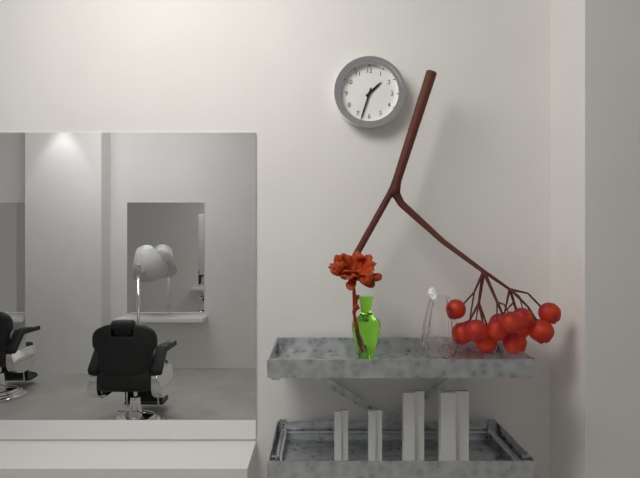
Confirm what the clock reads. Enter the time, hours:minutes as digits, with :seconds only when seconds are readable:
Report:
1:33
